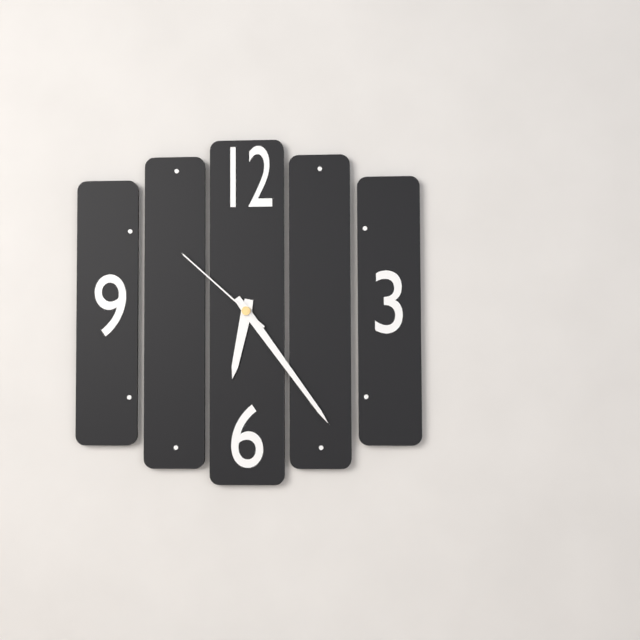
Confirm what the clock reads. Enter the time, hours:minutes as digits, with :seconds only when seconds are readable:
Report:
6:24:52
